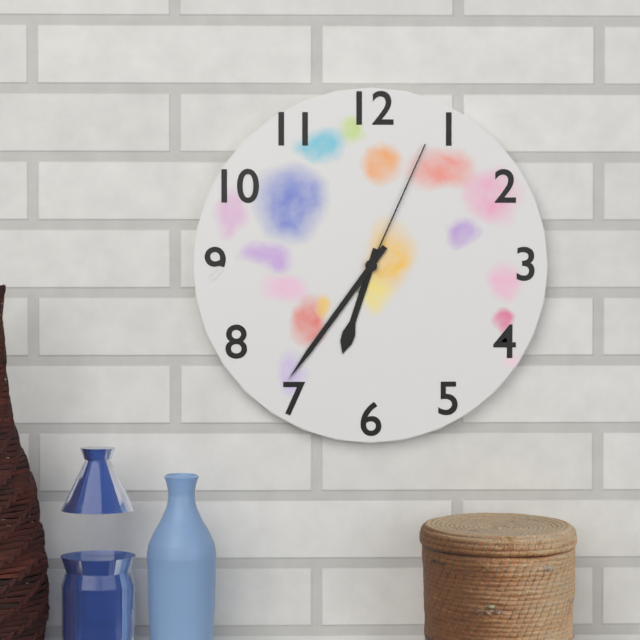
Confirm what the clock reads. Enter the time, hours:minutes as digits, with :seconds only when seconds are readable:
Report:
6:36:04
